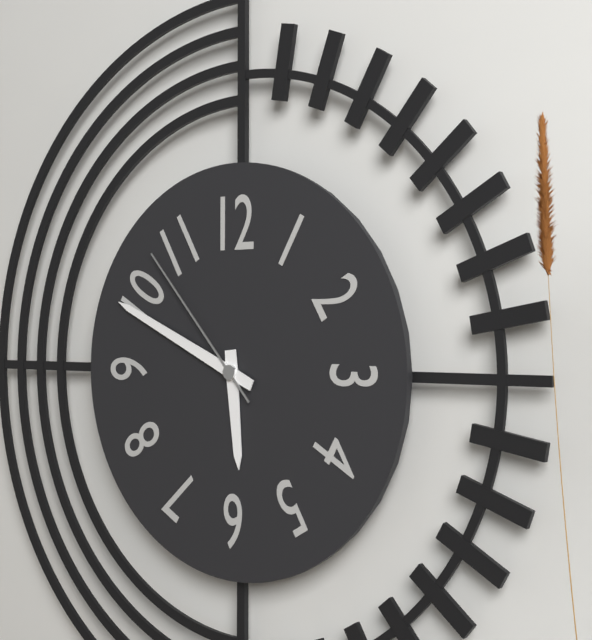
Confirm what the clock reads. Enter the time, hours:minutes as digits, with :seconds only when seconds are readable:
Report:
5:49:53
